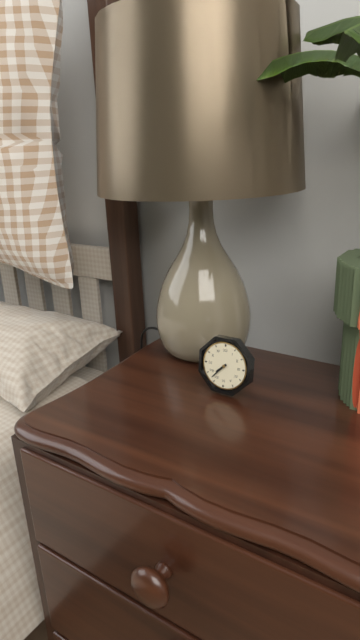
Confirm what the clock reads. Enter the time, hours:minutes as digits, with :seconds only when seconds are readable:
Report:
7:37
